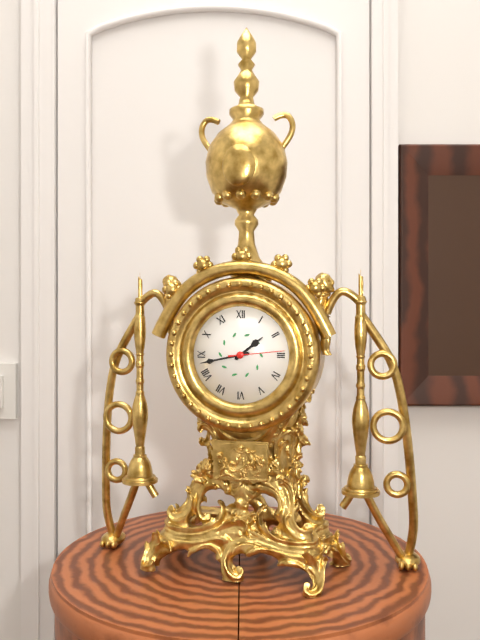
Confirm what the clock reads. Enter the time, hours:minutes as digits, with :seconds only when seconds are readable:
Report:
1:43:14
